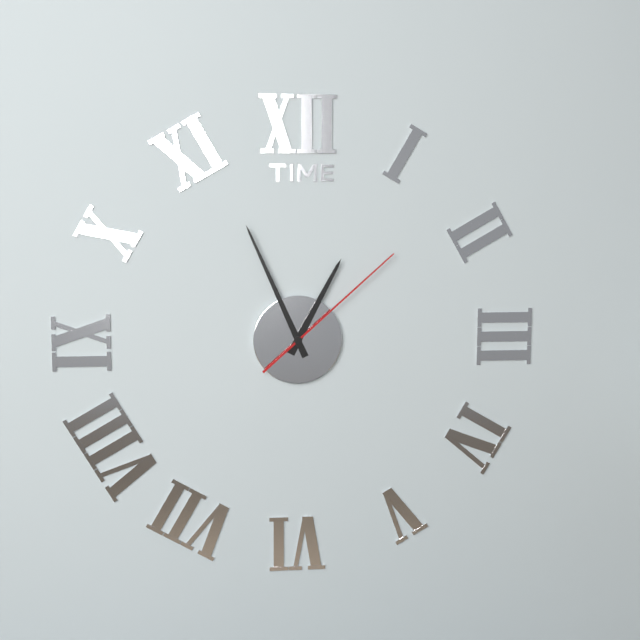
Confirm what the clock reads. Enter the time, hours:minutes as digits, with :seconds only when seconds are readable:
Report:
12:56:08
